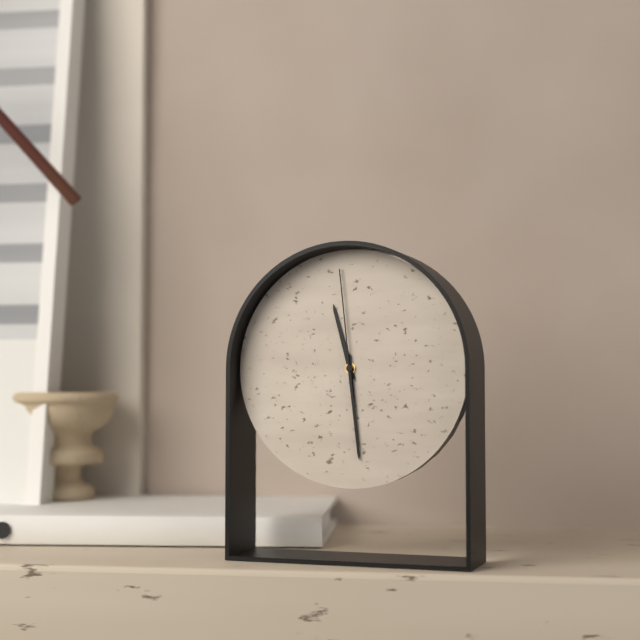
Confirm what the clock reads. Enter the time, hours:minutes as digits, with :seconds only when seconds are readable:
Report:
11:29:59
